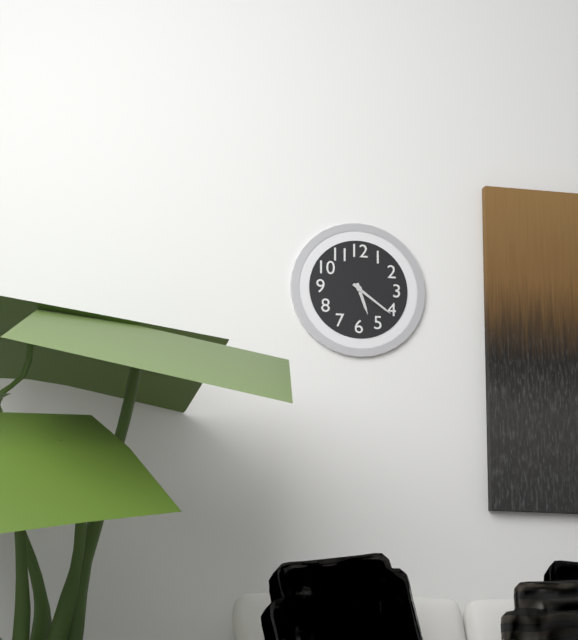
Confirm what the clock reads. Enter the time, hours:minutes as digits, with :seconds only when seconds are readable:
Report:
5:21
